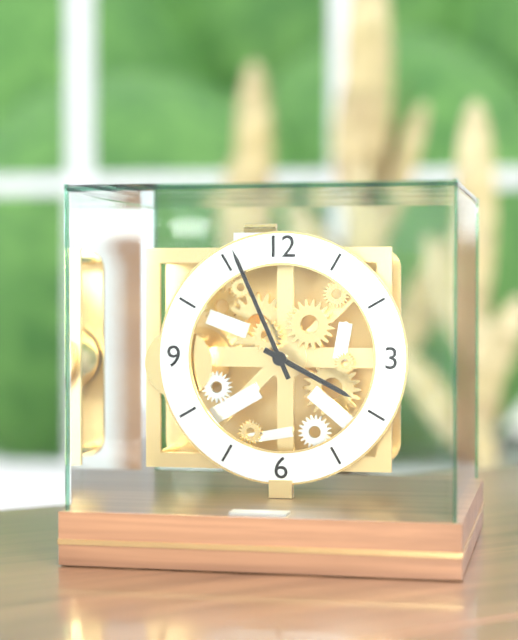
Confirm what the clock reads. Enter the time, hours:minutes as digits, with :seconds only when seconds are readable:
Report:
3:56
